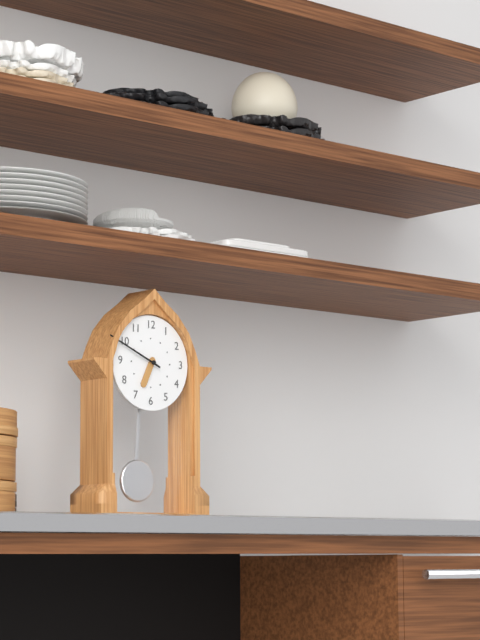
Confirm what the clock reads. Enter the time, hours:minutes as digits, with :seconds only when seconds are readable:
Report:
6:49
